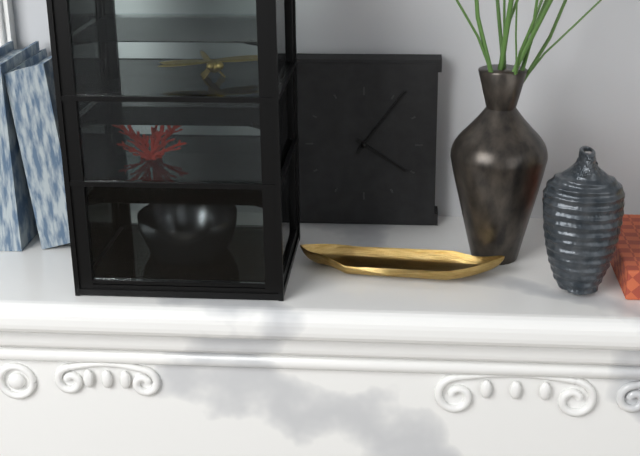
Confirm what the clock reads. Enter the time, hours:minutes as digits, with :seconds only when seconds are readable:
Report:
4:06
